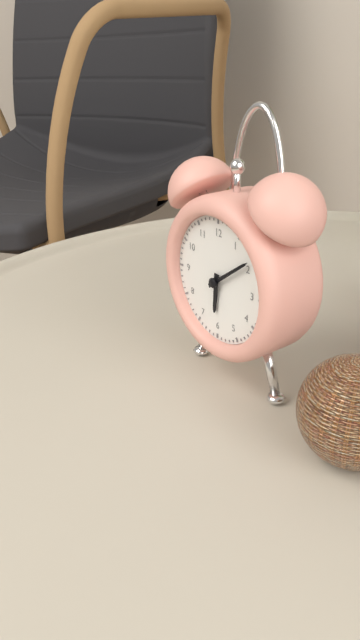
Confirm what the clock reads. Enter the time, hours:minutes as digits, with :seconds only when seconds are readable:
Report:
6:09
